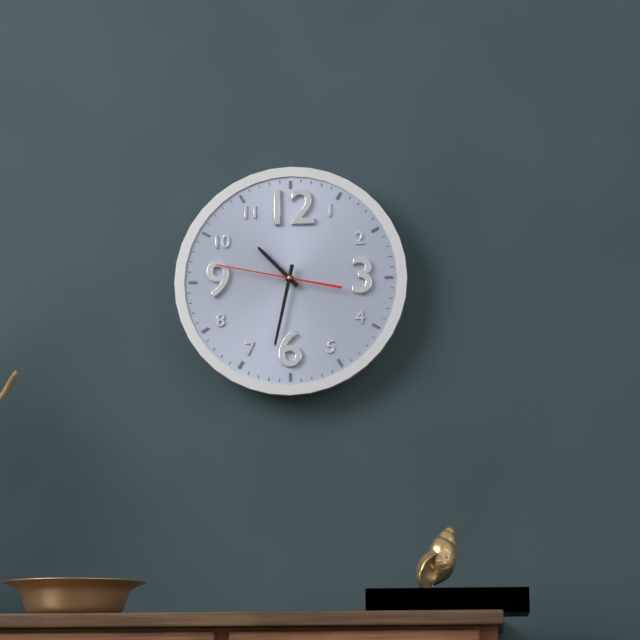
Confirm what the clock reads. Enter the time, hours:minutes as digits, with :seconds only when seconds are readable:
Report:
10:32:47
